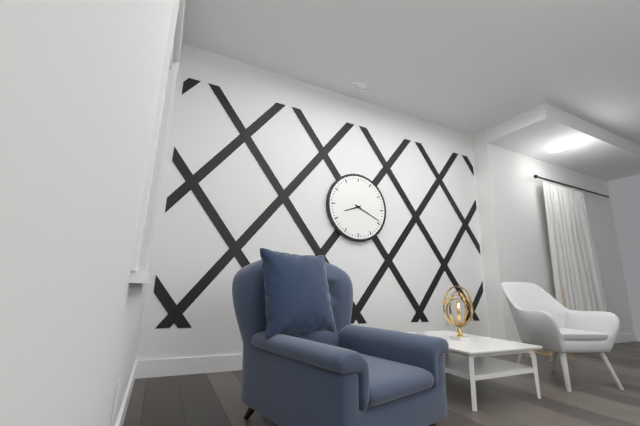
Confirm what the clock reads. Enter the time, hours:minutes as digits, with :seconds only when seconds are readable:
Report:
8:19
